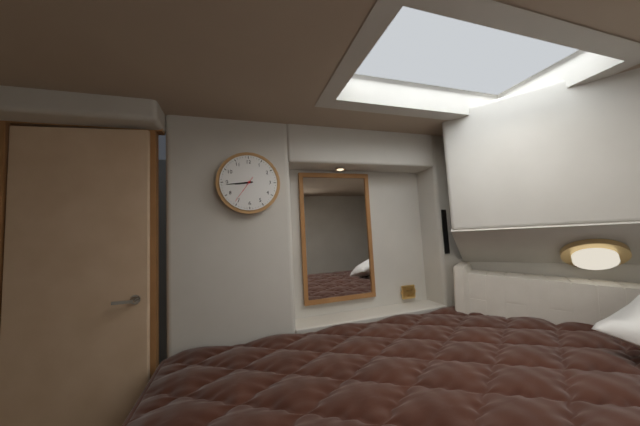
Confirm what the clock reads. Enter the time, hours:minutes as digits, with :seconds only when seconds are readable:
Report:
8:44
